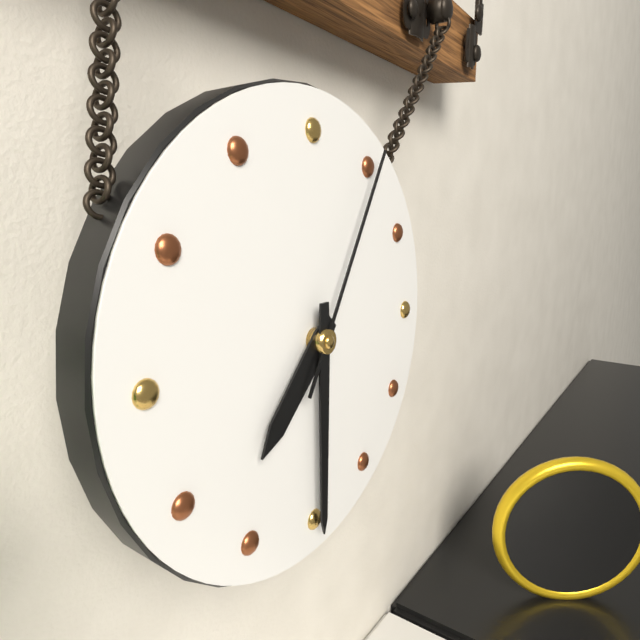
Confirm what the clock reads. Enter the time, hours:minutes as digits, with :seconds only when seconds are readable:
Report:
7:30:05
